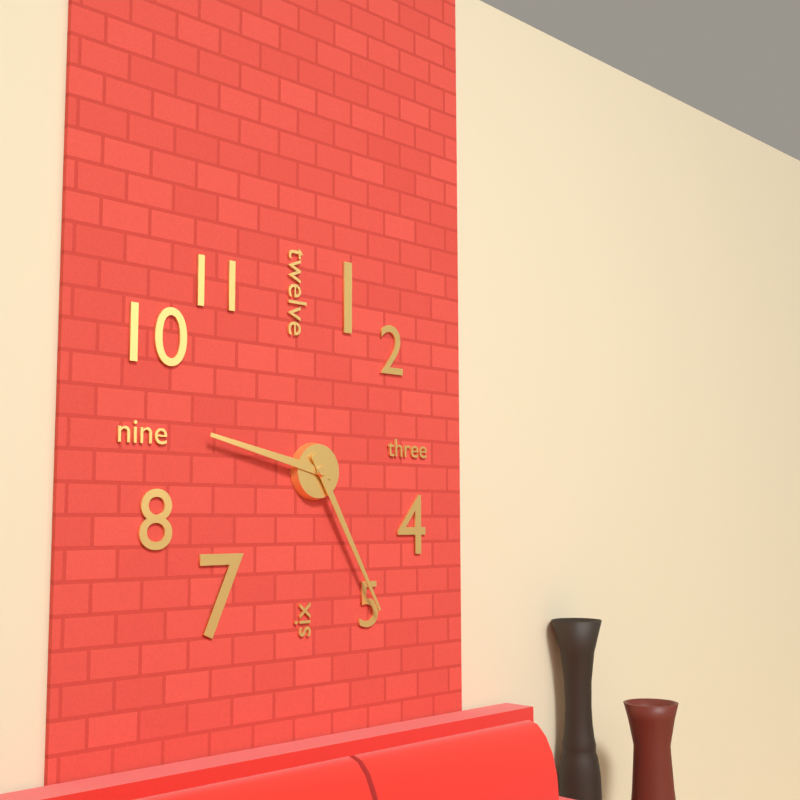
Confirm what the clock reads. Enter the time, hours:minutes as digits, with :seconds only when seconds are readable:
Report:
9:25
